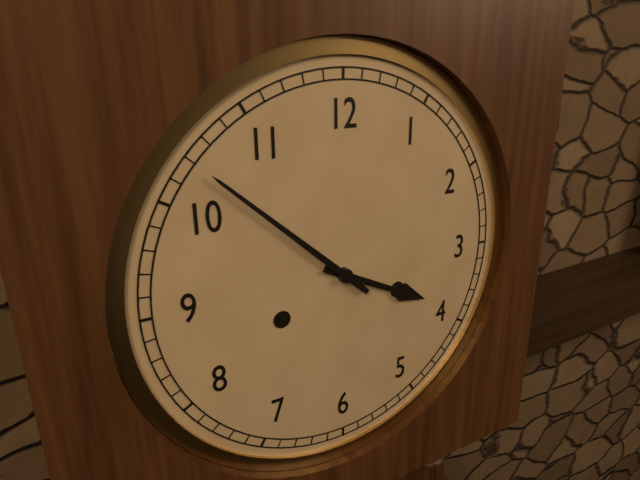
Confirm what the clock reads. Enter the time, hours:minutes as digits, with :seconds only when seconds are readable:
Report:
3:52
